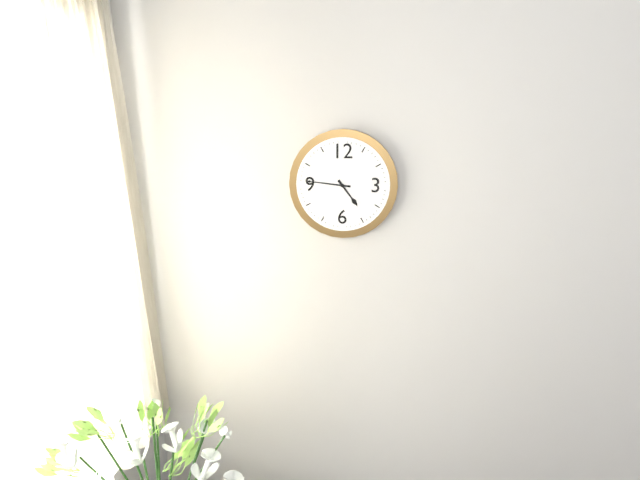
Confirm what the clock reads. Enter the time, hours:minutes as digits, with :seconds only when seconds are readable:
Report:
4:46
